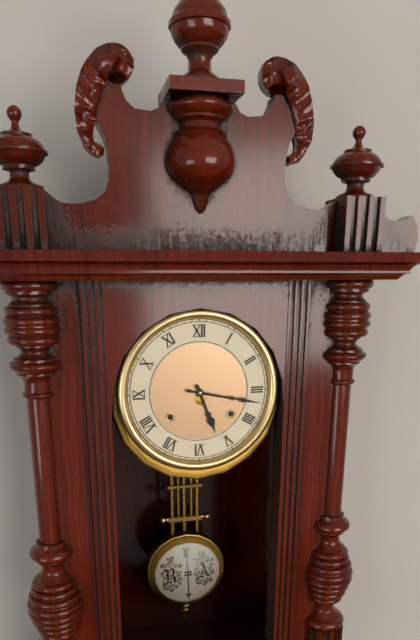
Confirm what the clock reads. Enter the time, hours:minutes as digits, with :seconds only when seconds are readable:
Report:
5:17
